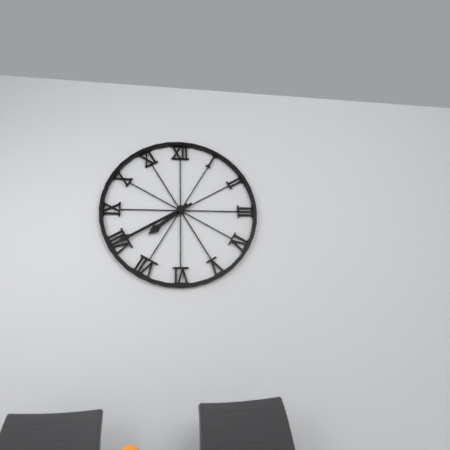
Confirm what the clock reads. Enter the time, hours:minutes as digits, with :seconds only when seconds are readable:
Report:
7:40
